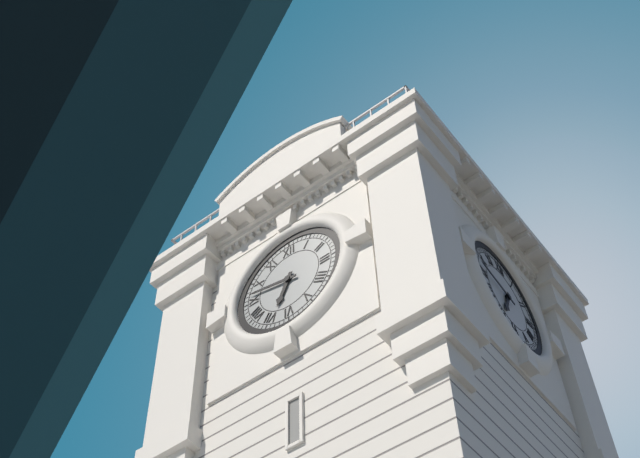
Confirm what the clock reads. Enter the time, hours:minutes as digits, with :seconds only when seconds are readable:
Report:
6:47
